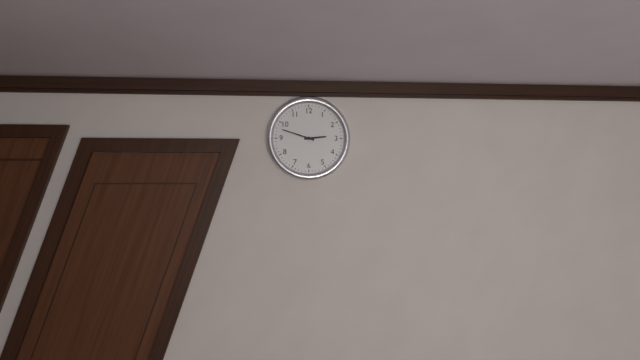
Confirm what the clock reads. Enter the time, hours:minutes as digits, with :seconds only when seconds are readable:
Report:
2:48
